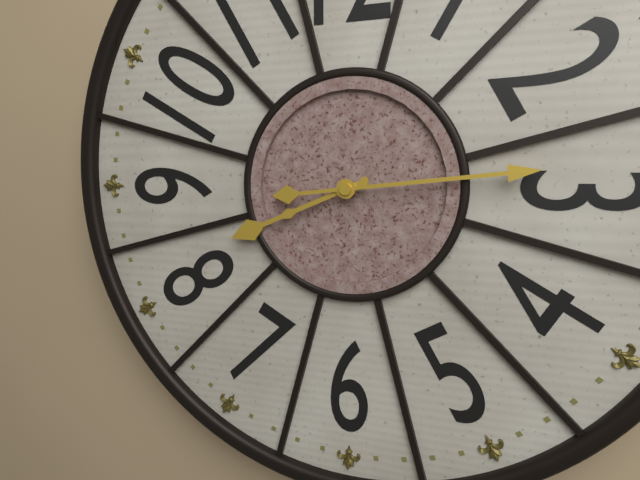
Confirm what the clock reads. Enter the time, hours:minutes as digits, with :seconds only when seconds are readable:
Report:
8:14
